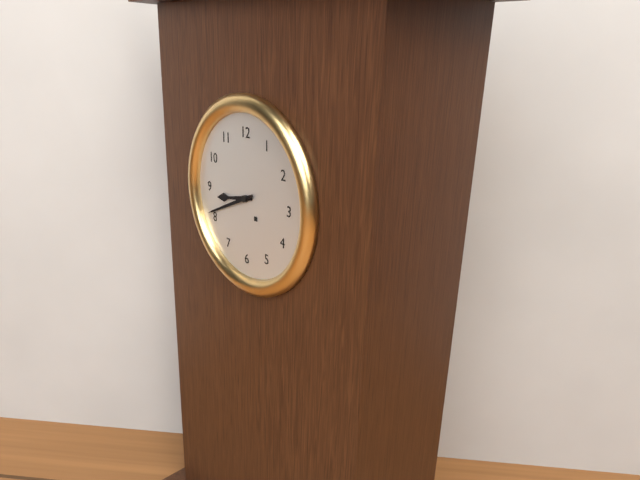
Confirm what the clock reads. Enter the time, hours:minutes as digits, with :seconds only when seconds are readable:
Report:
8:41
